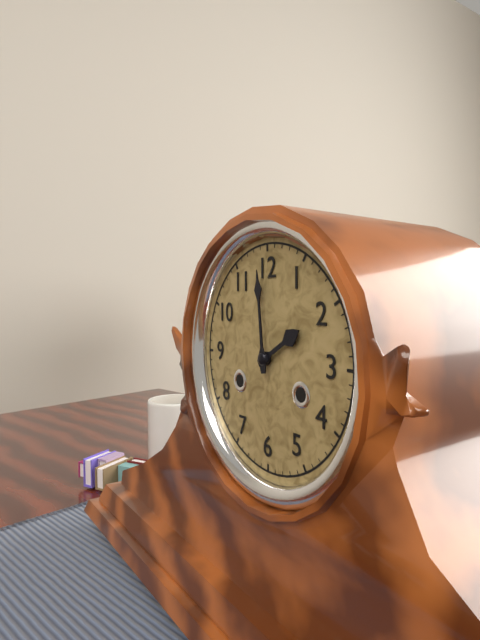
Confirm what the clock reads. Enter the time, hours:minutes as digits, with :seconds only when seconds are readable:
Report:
1:59
